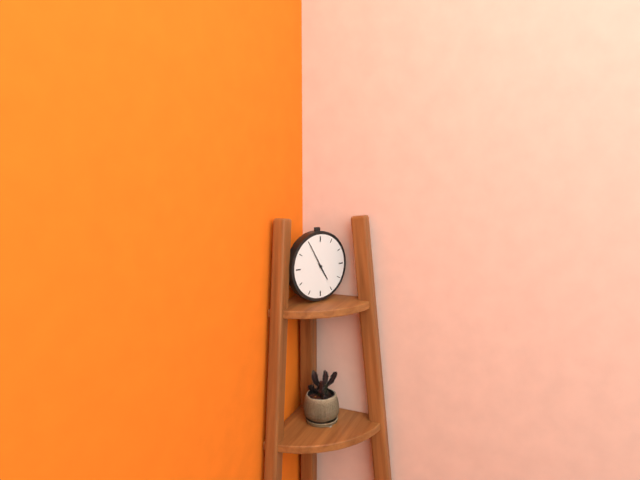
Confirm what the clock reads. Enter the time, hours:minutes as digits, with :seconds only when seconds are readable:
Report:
4:55
